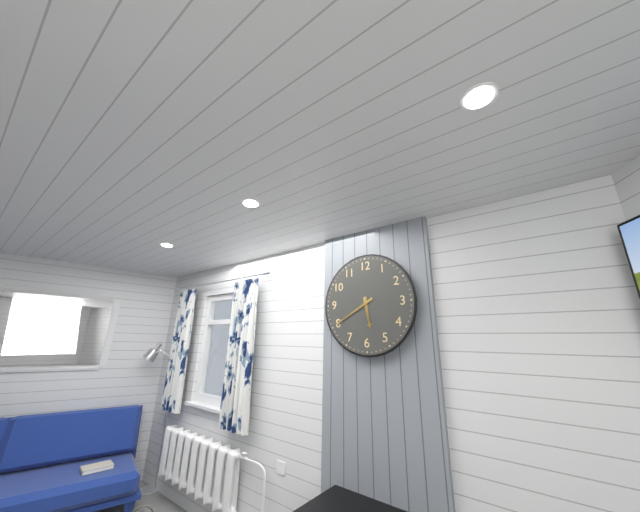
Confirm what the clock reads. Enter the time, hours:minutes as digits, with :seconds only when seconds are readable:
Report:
5:40
